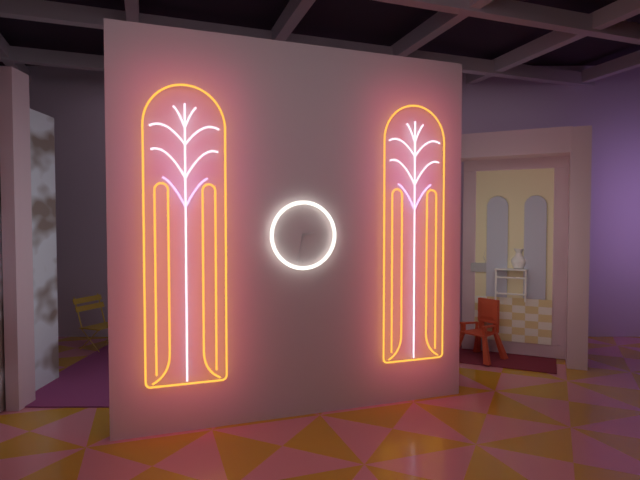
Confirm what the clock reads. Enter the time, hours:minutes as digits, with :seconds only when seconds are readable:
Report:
2:32
